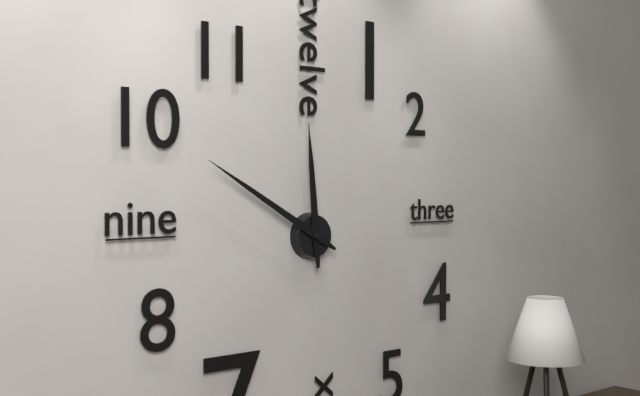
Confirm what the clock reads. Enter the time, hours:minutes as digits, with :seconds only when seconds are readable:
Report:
11:50
